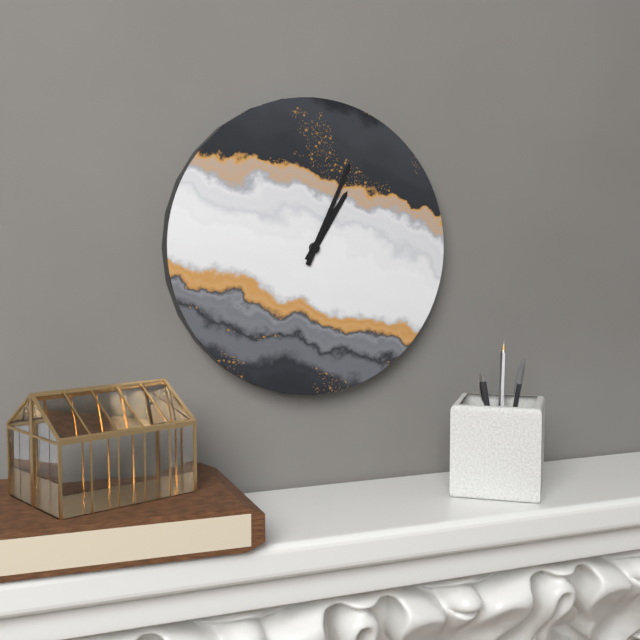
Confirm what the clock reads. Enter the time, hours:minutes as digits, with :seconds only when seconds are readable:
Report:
1:04
